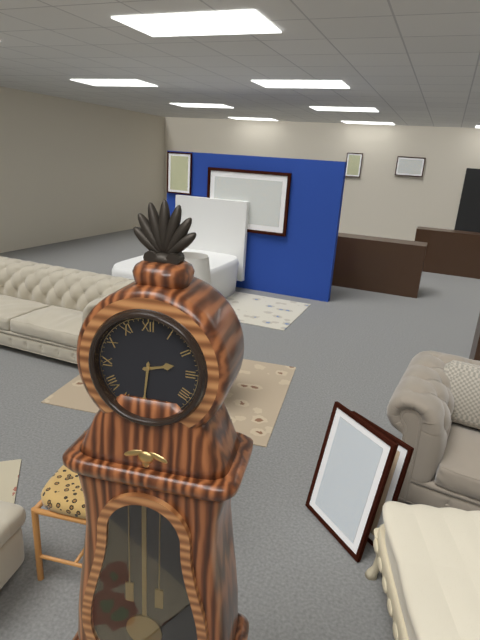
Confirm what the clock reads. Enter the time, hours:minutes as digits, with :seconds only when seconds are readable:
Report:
2:31
